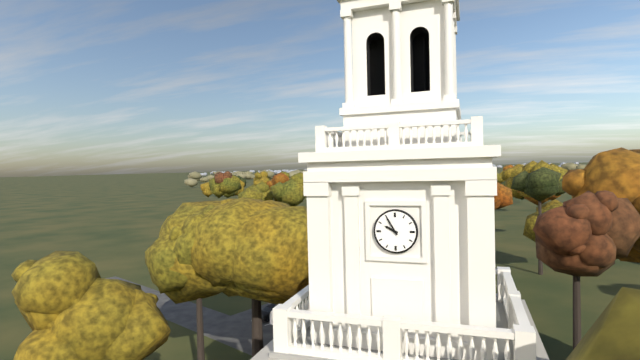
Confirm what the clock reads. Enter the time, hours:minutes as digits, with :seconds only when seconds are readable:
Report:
9:55
